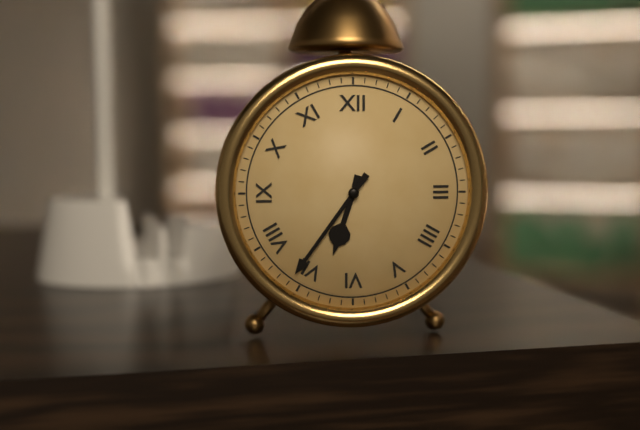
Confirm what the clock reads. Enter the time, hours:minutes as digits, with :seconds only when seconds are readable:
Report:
6:36
